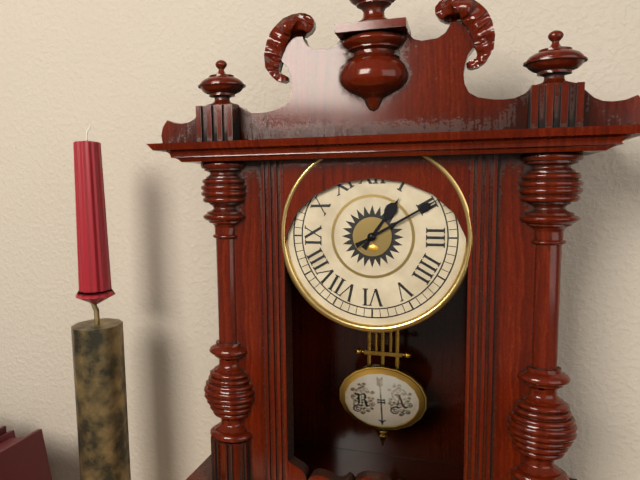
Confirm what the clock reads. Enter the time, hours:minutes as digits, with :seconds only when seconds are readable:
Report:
1:10
